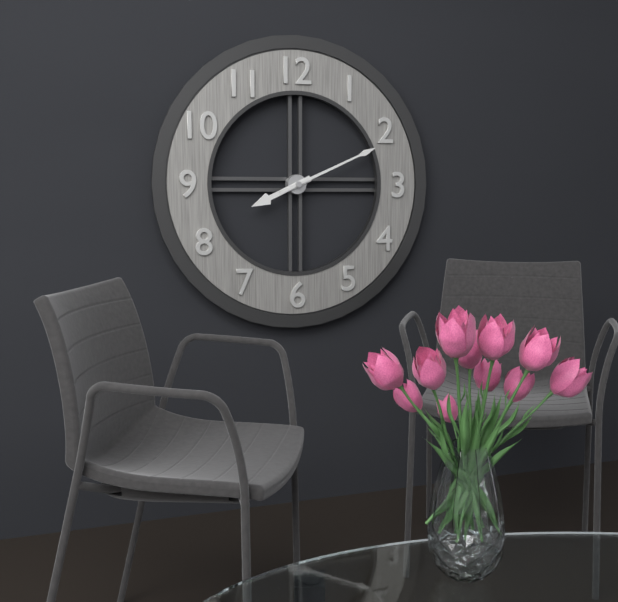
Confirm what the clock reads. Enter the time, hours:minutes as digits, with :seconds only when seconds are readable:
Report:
8:11
